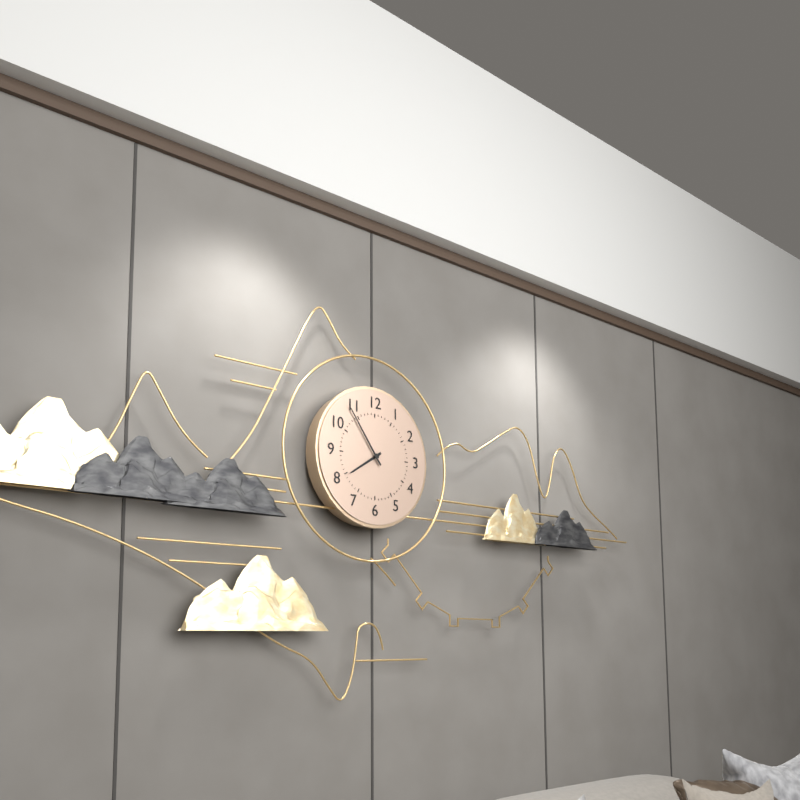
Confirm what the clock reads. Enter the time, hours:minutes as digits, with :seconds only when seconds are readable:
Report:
7:54
